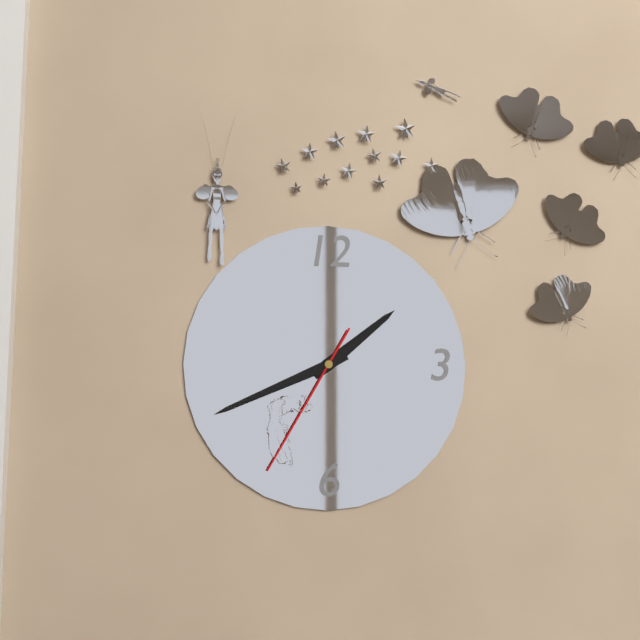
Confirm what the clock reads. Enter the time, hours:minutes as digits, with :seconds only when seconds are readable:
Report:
1:41:35
